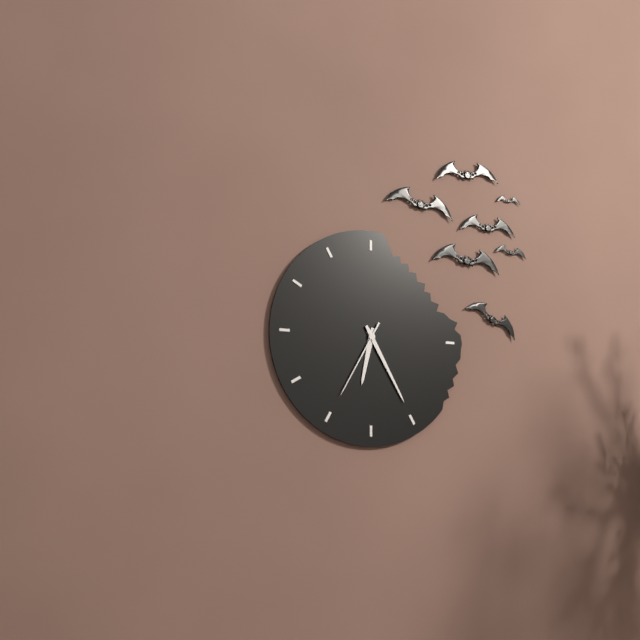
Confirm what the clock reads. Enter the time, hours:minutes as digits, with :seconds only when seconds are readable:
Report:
6:25:35
